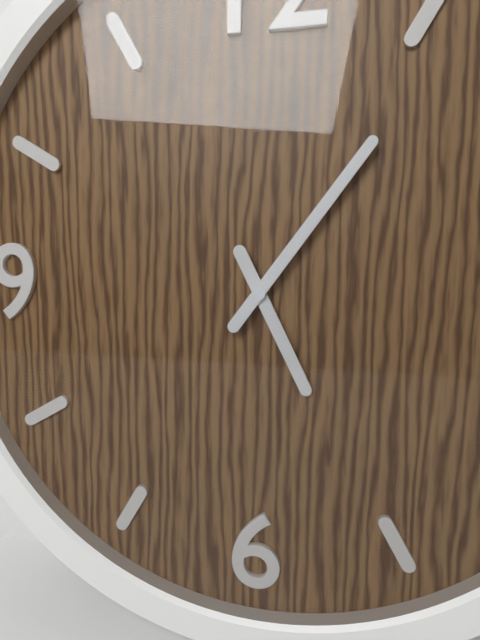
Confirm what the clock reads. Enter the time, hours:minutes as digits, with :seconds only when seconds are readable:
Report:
5:06
